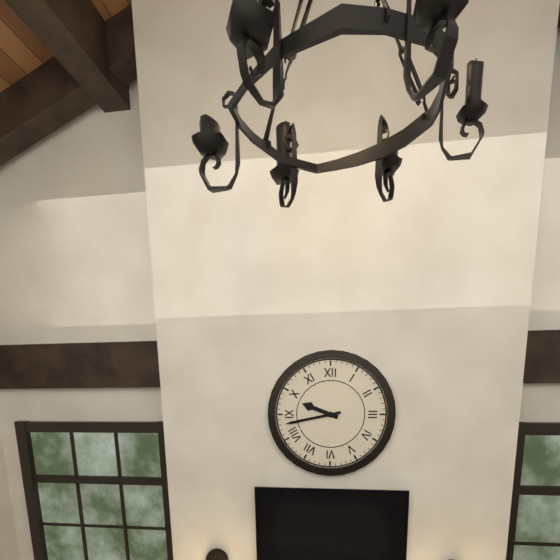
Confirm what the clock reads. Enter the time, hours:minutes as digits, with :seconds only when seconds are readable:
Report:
9:43
